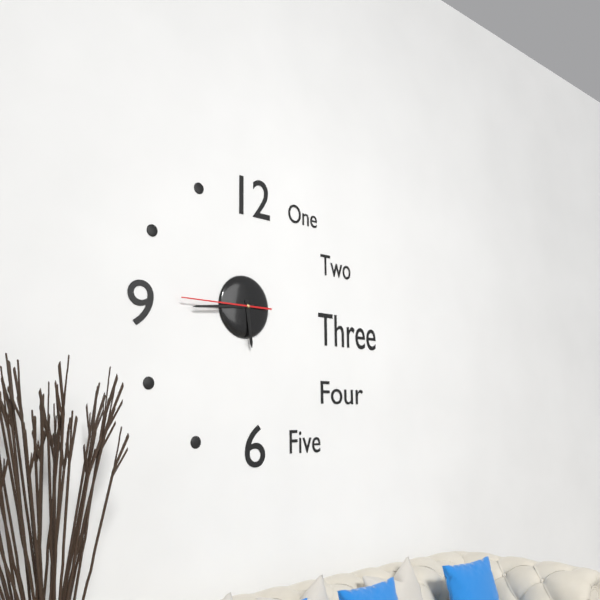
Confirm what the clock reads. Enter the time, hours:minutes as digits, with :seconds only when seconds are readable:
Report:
5:44:45
